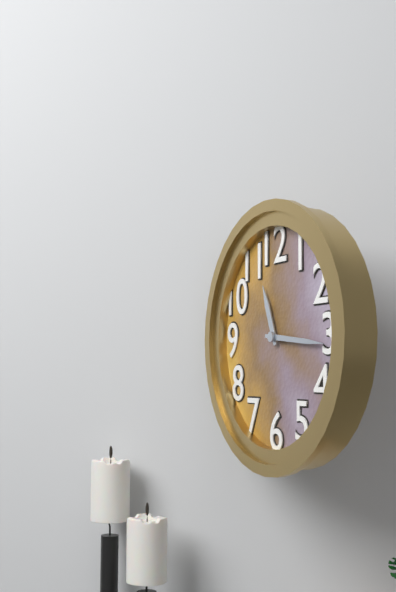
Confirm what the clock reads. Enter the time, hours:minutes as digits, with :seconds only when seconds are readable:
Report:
11:16
